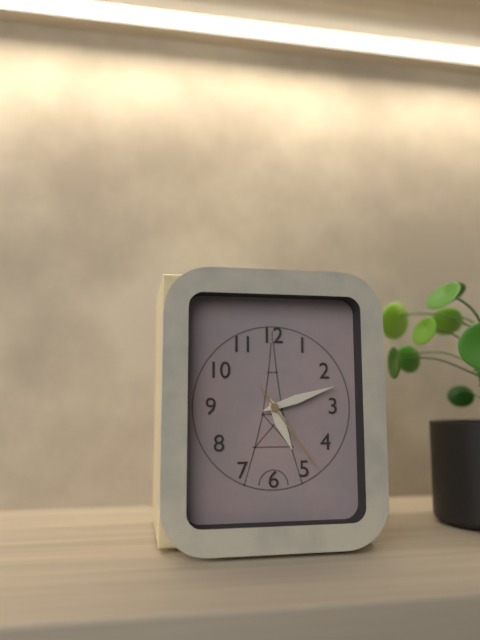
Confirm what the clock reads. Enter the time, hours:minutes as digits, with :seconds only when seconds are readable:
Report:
5:12:24
